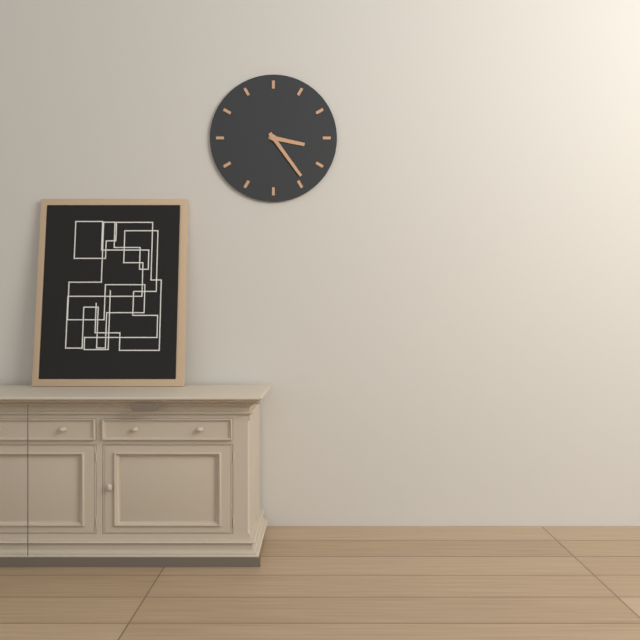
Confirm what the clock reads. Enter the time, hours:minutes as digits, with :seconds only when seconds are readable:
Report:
3:24
